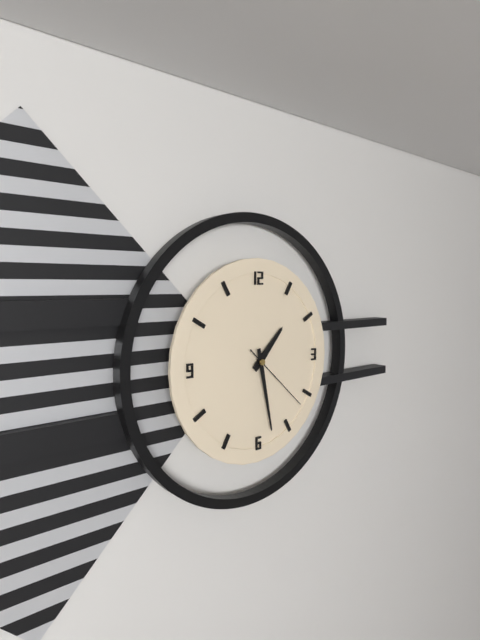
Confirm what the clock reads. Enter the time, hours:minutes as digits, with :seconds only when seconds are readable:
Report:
1:28:22
